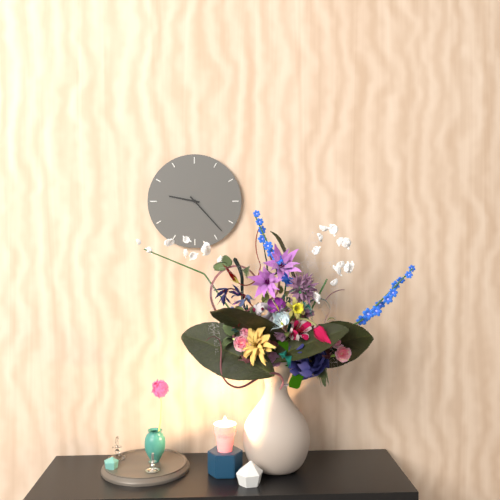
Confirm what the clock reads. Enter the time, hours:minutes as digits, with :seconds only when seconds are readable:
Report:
9:23
